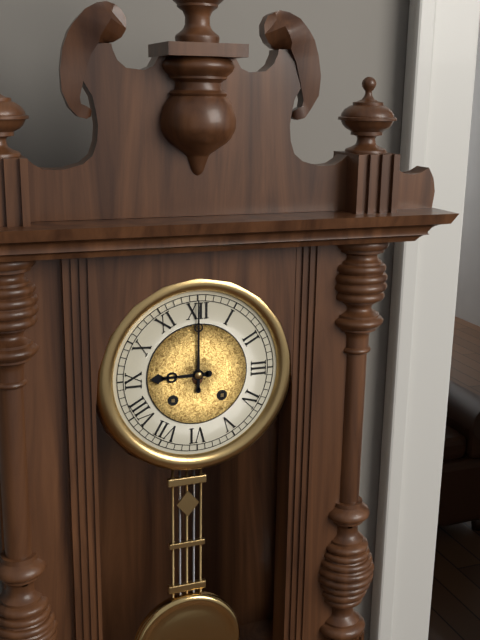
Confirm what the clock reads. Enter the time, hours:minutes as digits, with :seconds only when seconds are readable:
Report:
9:00
